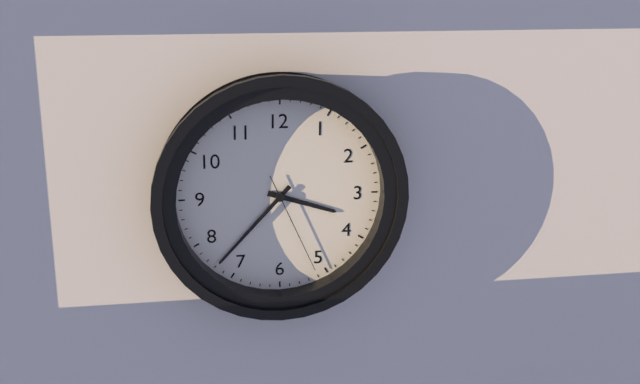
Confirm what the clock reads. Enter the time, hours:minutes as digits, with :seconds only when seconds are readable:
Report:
3:37:26
